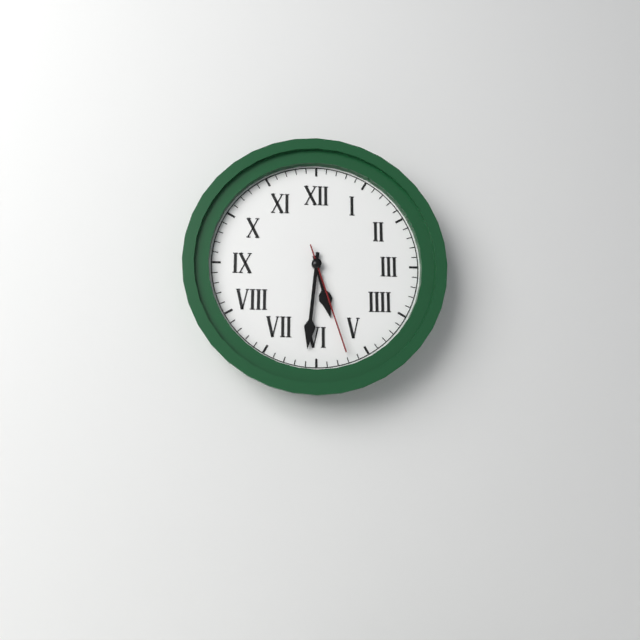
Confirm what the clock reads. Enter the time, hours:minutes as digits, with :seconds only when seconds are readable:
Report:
5:31:27
